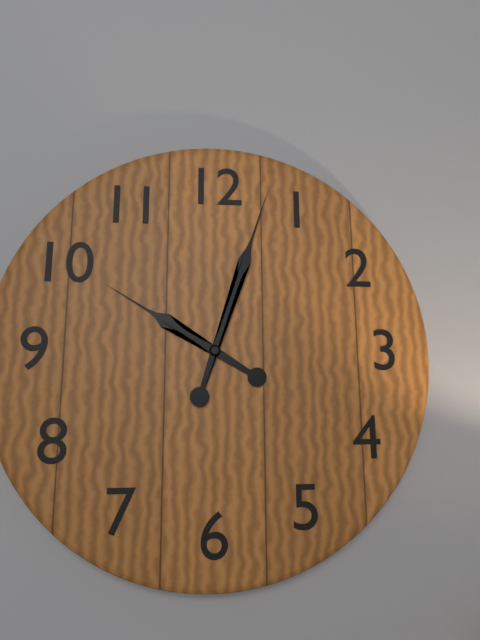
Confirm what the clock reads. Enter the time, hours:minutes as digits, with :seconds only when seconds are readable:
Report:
10:03
